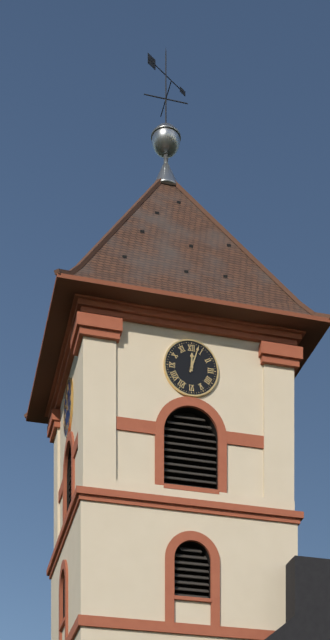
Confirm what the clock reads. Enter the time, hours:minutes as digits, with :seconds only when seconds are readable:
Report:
12:03
